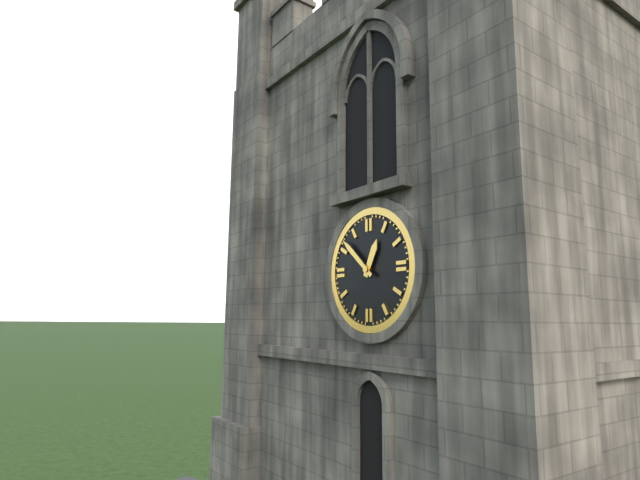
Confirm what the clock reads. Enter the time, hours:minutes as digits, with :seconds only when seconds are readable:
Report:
12:52
